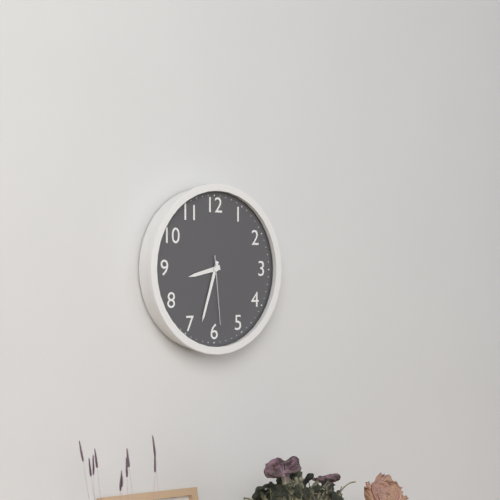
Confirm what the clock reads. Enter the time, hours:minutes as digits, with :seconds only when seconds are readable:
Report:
8:33:29
